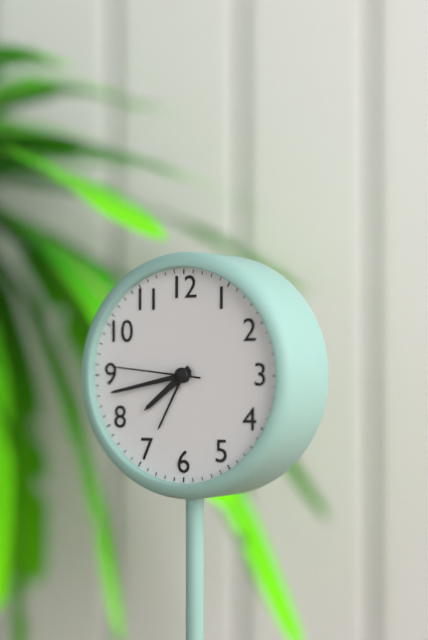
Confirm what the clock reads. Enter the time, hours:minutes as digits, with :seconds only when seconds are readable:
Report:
7:43:46
